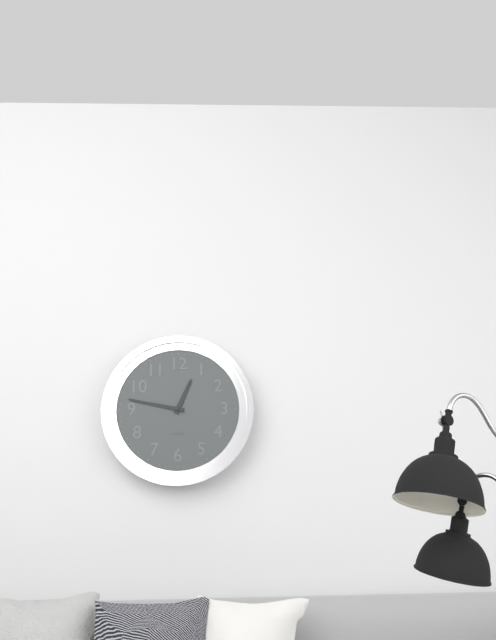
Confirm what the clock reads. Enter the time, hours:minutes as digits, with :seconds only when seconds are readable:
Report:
12:47
